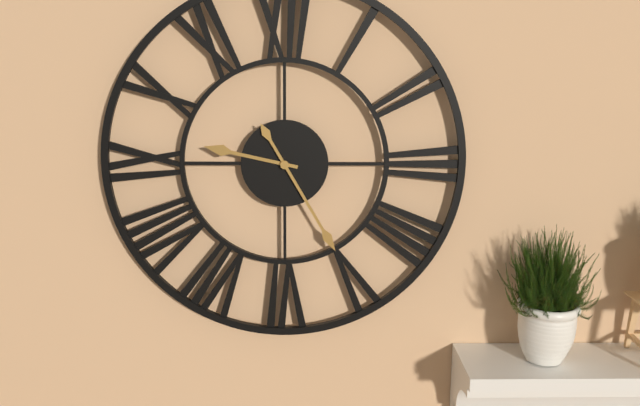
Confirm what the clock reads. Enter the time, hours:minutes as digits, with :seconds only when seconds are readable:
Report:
9:25
